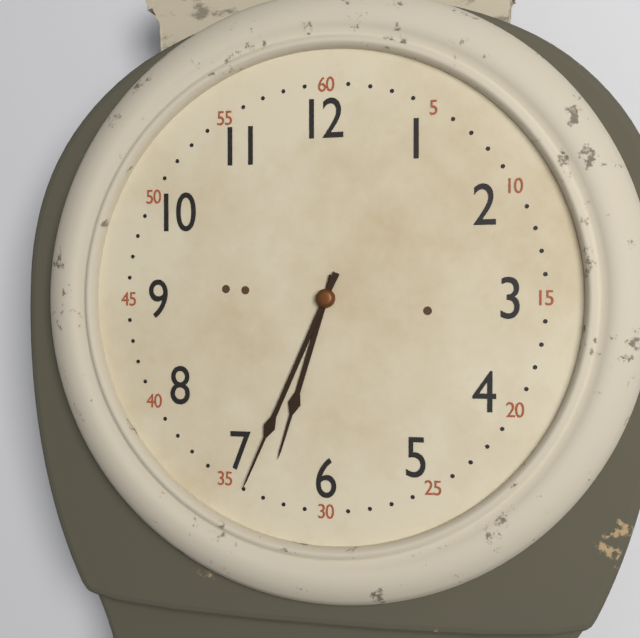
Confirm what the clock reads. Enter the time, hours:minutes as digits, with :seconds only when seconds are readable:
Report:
6:34
